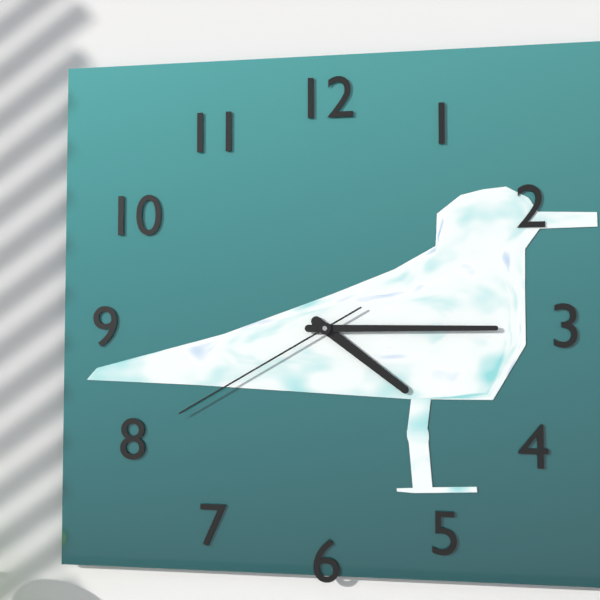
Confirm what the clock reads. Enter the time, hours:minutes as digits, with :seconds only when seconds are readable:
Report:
4:15:40
